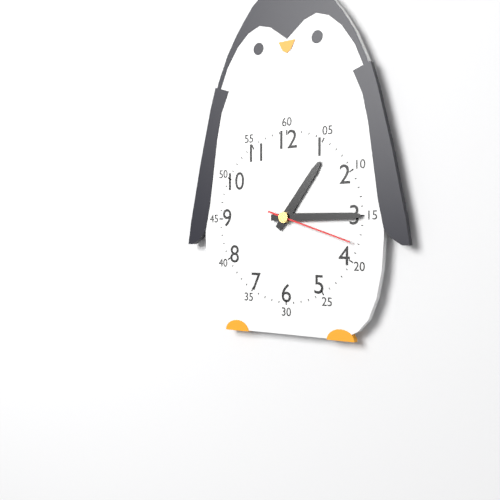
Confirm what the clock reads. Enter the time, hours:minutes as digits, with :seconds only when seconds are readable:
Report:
1:15:18
